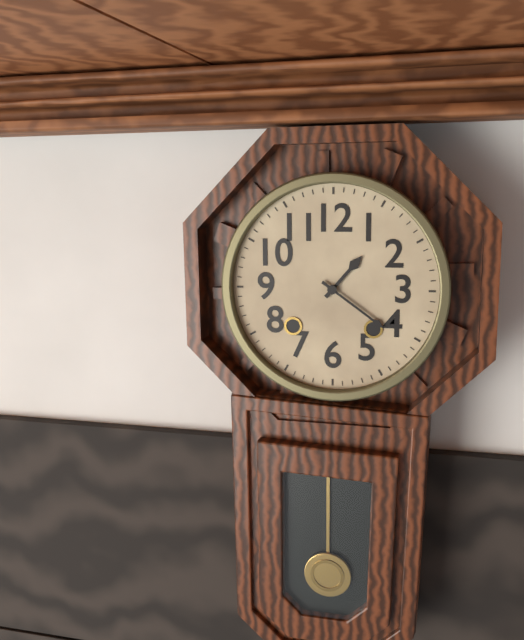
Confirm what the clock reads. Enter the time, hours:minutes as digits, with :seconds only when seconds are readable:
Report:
1:21
